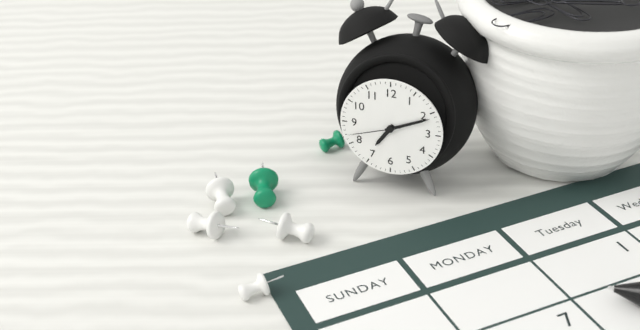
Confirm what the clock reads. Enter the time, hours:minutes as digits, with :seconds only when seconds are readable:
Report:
7:11:42
